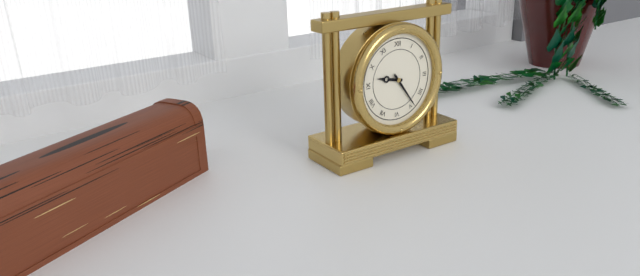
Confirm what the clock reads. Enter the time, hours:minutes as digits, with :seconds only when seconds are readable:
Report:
9:24
